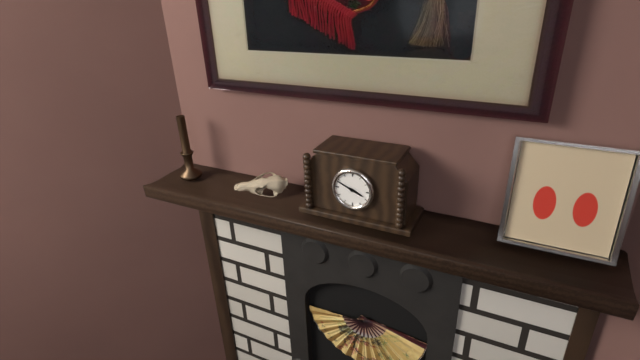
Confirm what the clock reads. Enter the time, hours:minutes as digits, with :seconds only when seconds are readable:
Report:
3:49
